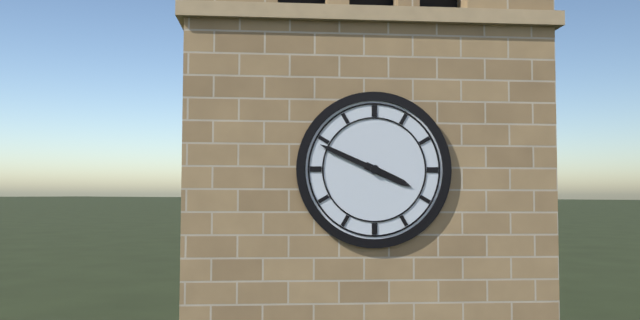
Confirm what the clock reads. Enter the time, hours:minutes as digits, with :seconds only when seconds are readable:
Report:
3:49
